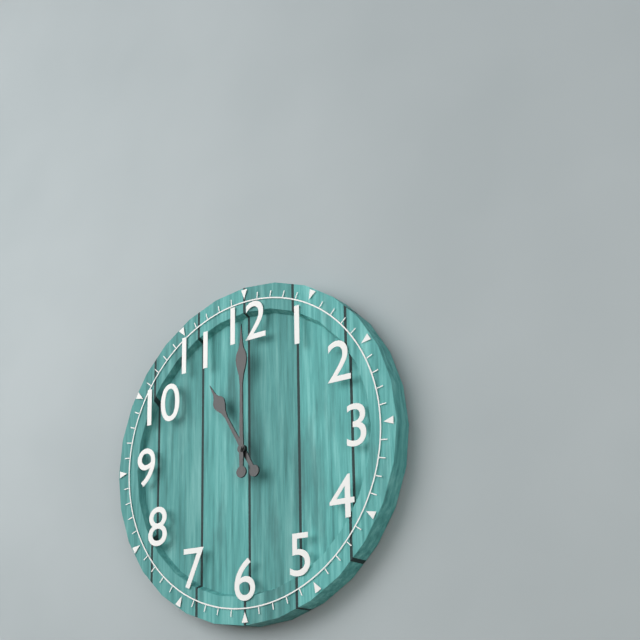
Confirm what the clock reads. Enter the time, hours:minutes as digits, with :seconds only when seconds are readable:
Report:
11:00
